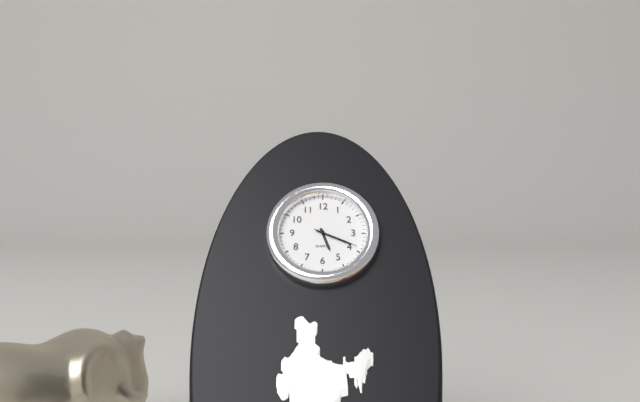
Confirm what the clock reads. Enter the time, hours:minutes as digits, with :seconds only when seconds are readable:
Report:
5:19
